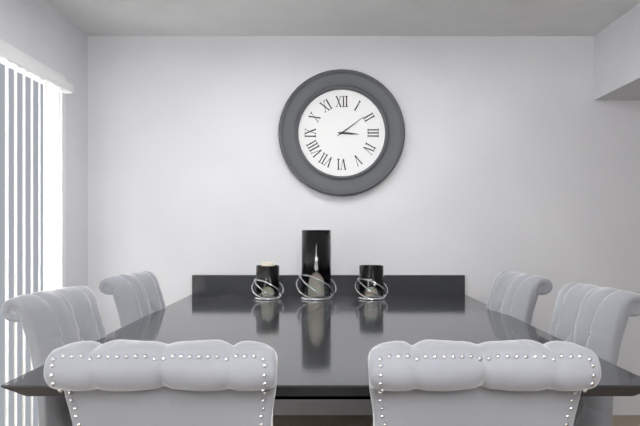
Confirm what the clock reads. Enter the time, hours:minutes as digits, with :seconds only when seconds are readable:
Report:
3:09
